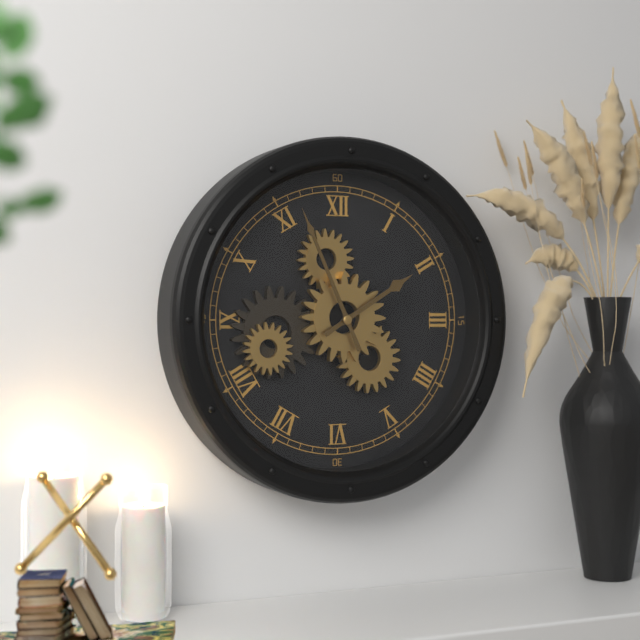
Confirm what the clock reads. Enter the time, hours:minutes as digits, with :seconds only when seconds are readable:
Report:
1:56
